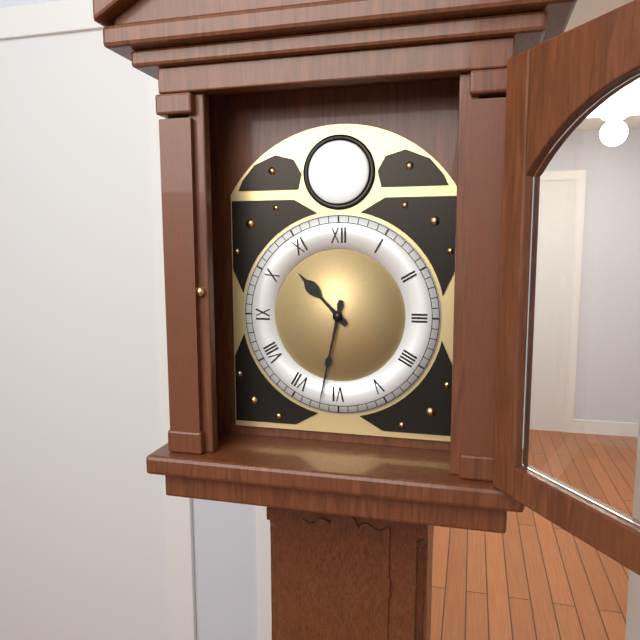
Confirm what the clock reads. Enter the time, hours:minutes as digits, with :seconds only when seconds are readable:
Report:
10:32
